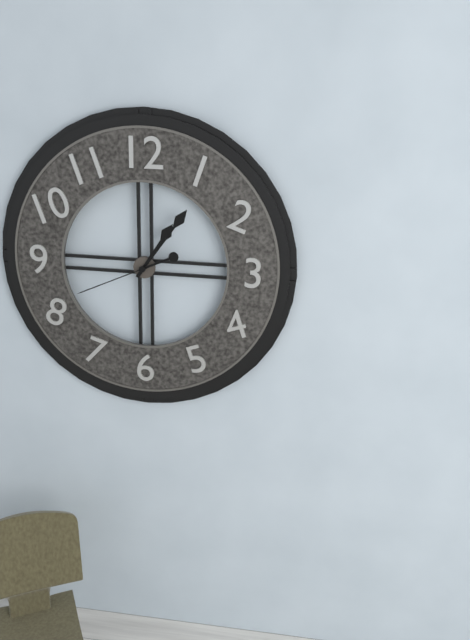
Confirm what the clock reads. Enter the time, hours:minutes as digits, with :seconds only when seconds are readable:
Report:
1:06:41
